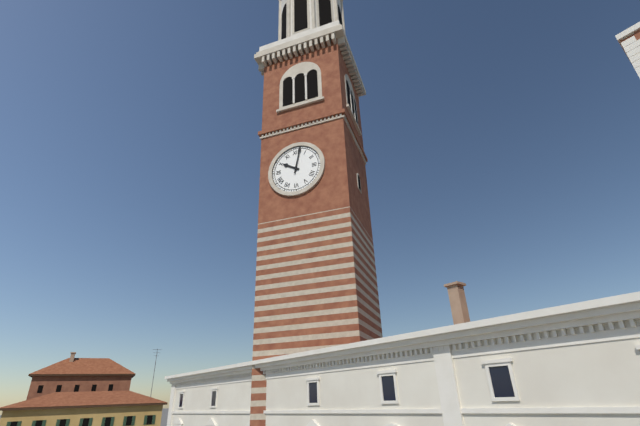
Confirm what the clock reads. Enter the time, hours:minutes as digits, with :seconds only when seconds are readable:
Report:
10:02
